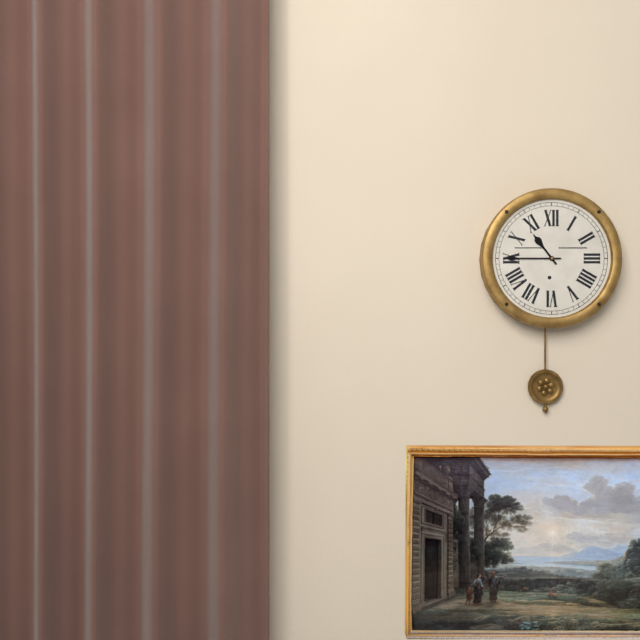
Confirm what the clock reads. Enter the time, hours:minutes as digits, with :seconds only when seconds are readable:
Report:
10:45
